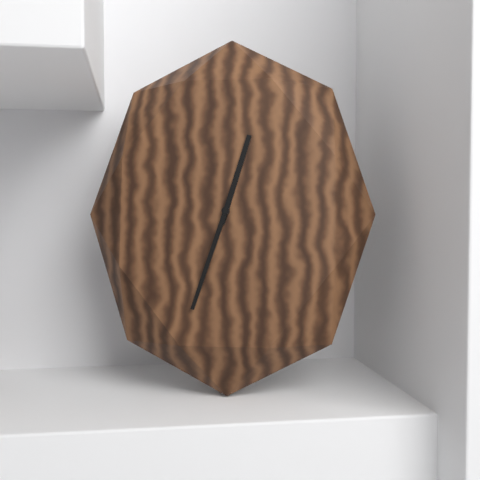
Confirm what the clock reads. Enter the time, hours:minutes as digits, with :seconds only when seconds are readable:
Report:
12:33
